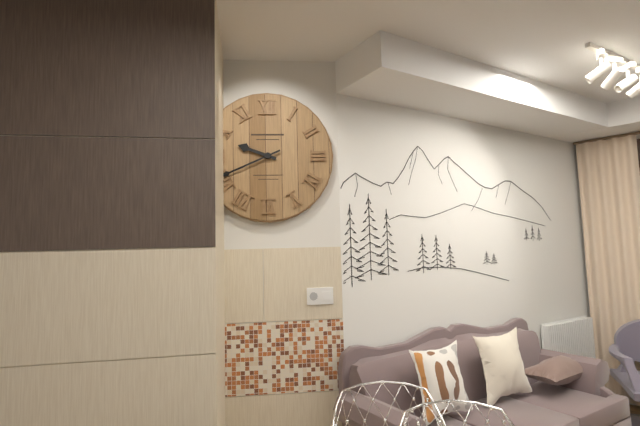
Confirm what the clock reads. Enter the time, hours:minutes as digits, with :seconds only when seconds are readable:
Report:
9:41
